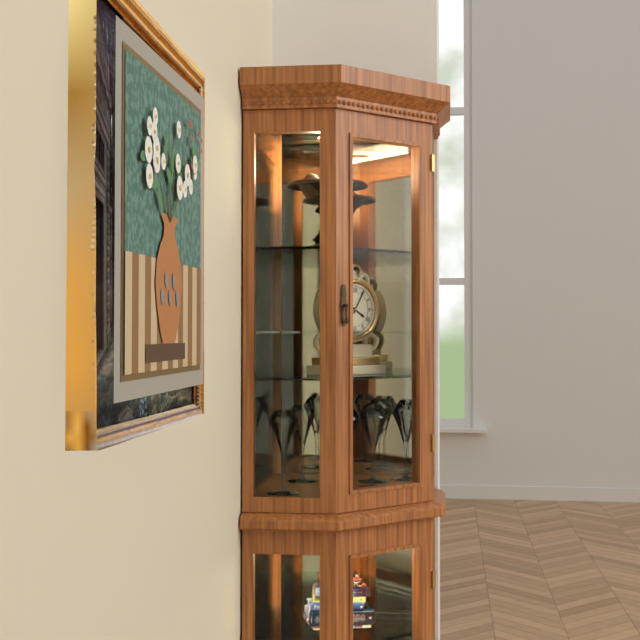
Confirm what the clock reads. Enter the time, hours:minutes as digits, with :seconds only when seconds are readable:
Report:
4:05
